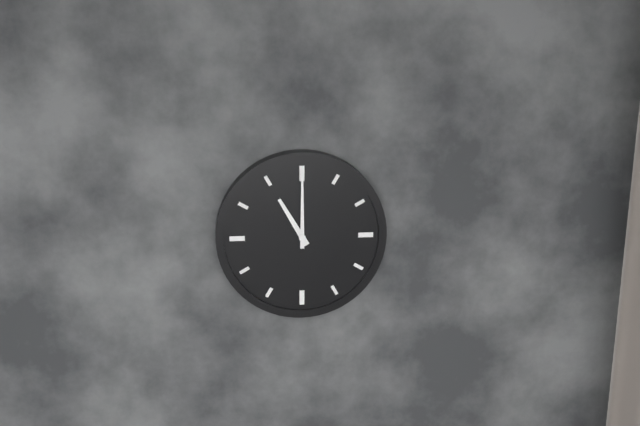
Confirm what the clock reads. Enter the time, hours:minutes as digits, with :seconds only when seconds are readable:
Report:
11:00
